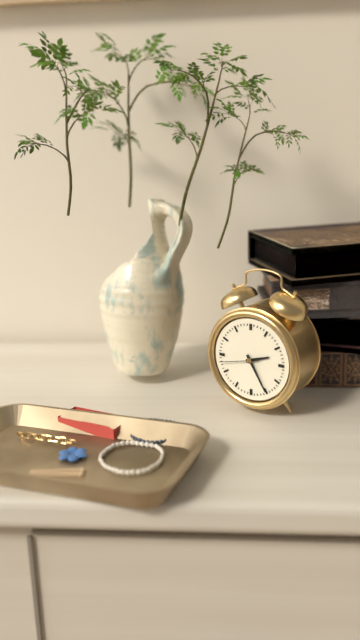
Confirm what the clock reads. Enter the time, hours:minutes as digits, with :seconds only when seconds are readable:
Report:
2:25
